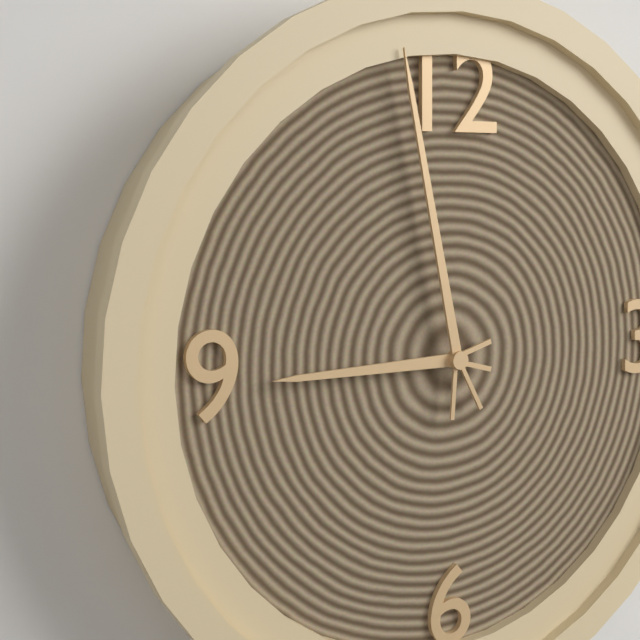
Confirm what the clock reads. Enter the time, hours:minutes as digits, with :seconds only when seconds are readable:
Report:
8:58
